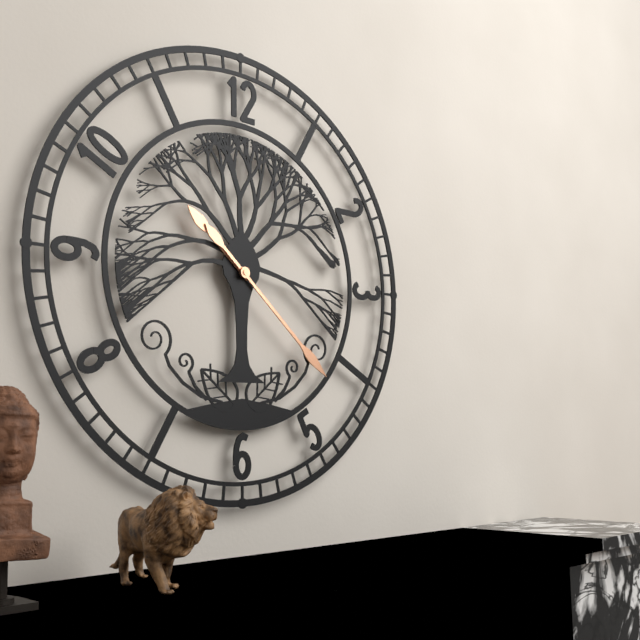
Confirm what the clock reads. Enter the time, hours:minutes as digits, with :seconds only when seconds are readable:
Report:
10:22
